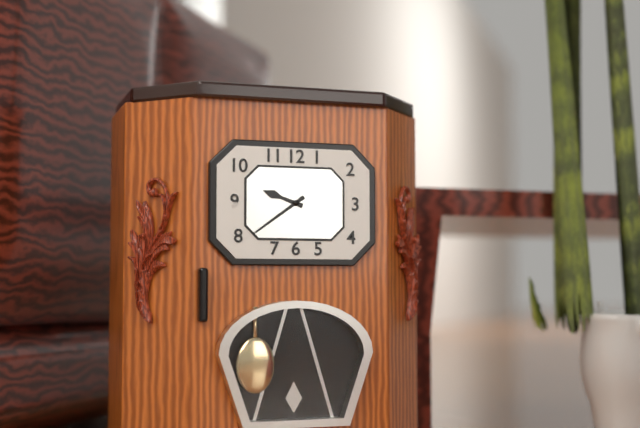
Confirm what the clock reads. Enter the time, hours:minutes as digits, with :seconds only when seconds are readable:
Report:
9:39
